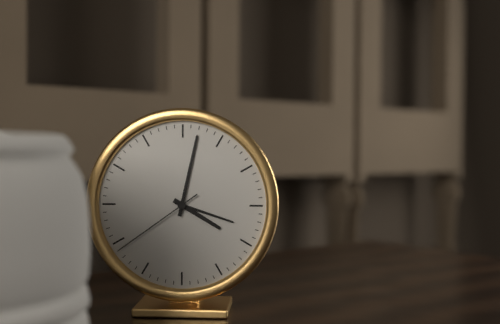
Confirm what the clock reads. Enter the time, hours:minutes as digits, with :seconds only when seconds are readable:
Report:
4:02:39
